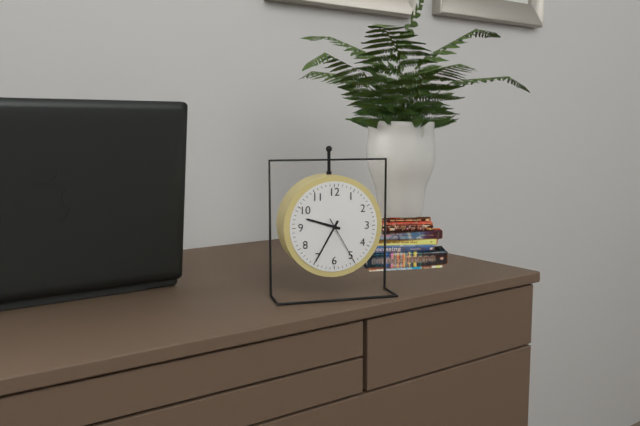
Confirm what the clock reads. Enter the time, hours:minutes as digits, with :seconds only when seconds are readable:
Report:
9:35:25
